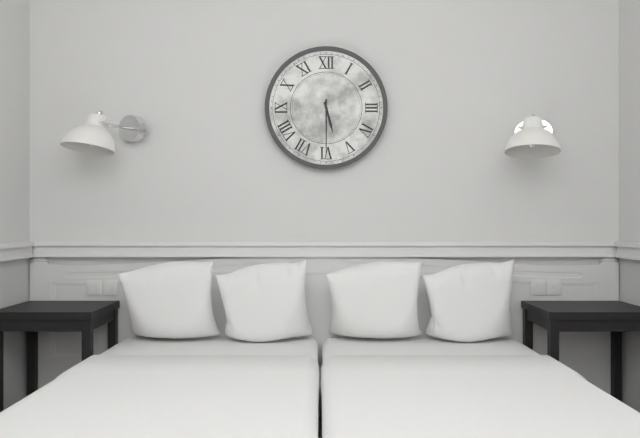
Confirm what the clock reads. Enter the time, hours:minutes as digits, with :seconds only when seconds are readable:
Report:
5:30
